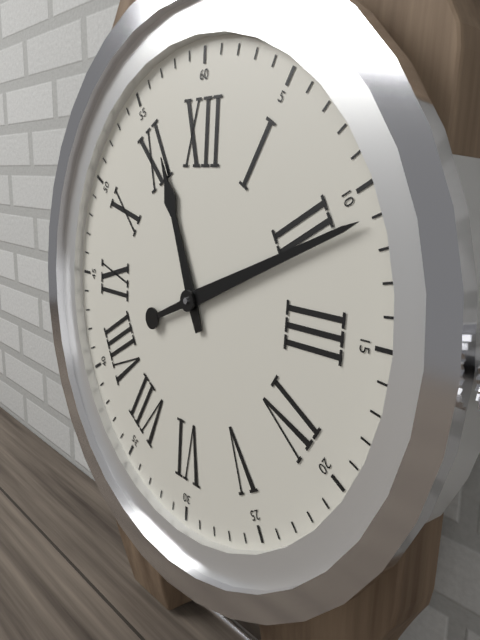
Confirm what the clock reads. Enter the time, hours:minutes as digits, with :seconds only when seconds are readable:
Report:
11:11
